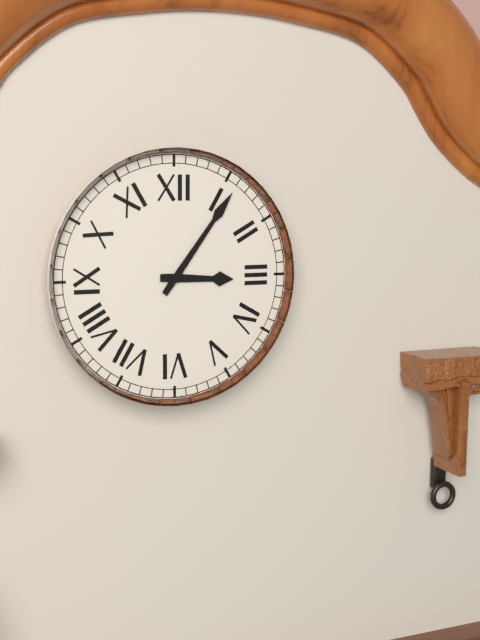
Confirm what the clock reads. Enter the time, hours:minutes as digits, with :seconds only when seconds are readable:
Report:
3:06
